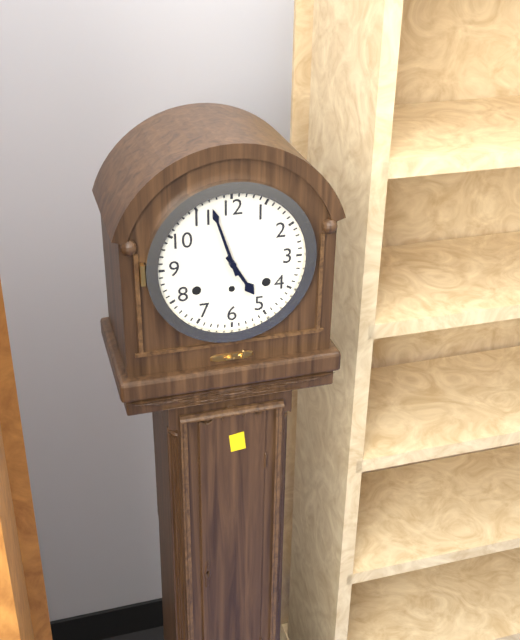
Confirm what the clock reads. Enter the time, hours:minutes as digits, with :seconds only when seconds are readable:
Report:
4:57
